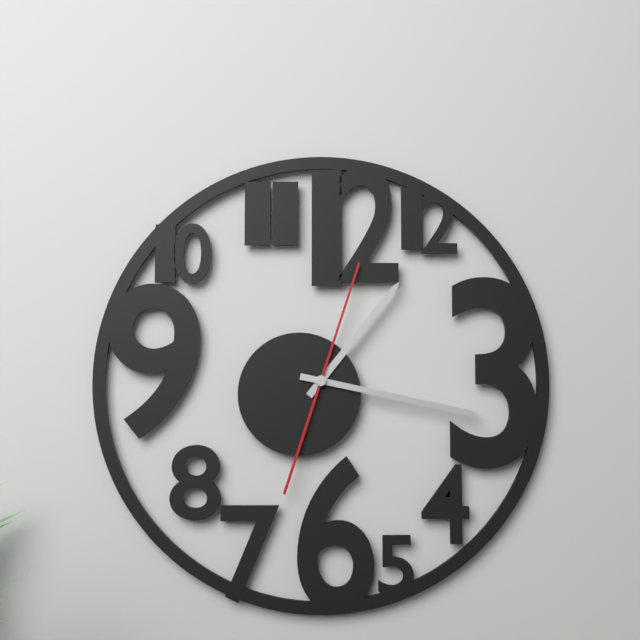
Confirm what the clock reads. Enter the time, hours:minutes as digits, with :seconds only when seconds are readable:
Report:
1:17:03
